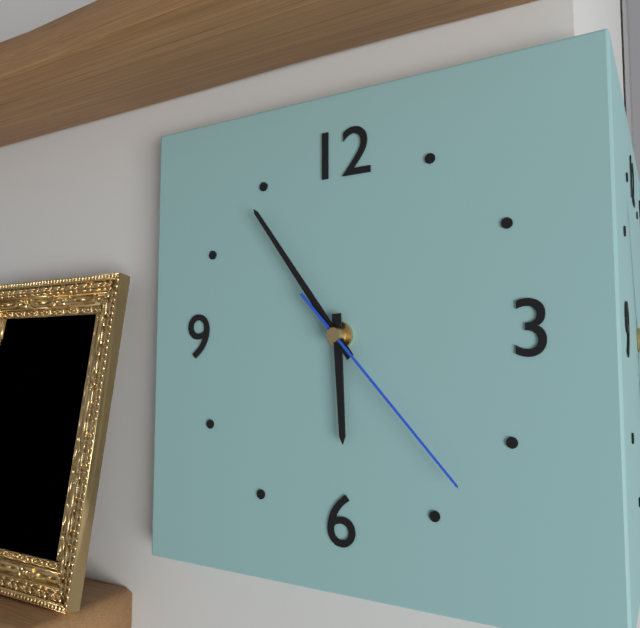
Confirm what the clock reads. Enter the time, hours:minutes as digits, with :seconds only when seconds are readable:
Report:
5:54:23
